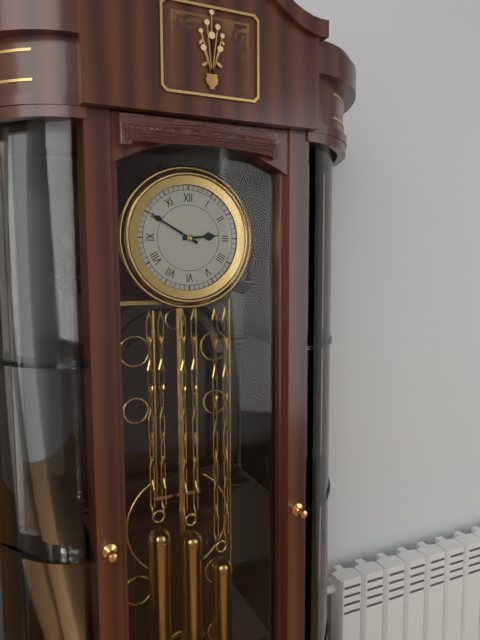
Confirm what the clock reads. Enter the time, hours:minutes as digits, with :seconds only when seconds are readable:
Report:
2:50
